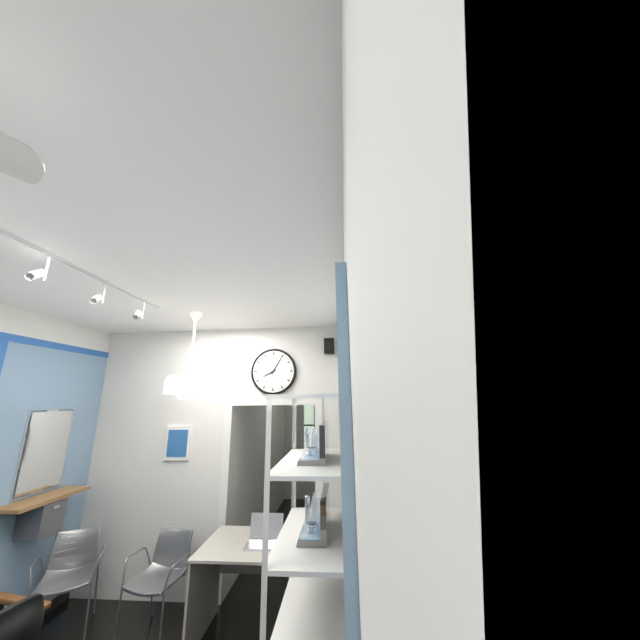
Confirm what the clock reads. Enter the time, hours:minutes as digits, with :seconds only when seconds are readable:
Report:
8:05
